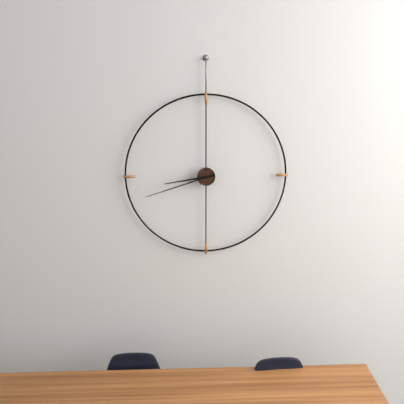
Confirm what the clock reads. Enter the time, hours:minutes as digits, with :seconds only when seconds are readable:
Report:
8:42
